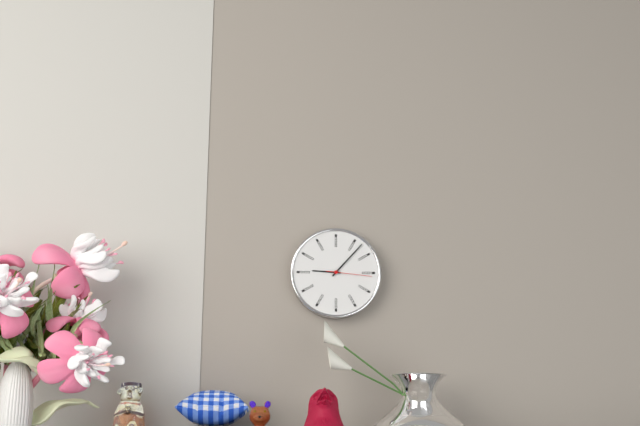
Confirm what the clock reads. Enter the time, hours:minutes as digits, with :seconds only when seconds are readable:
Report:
9:07
